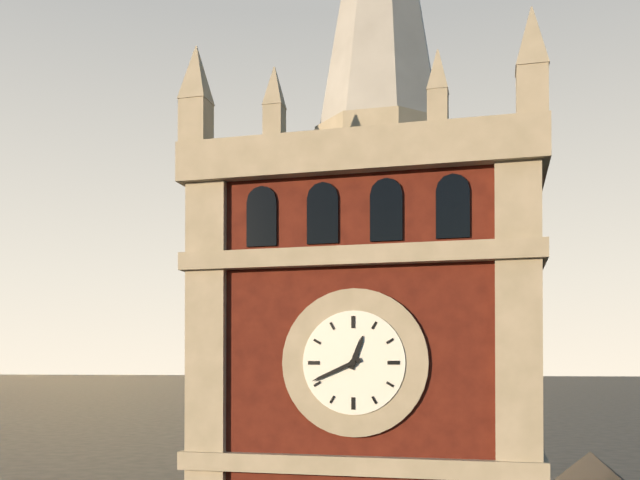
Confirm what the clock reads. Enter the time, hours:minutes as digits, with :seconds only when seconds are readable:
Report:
12:41
